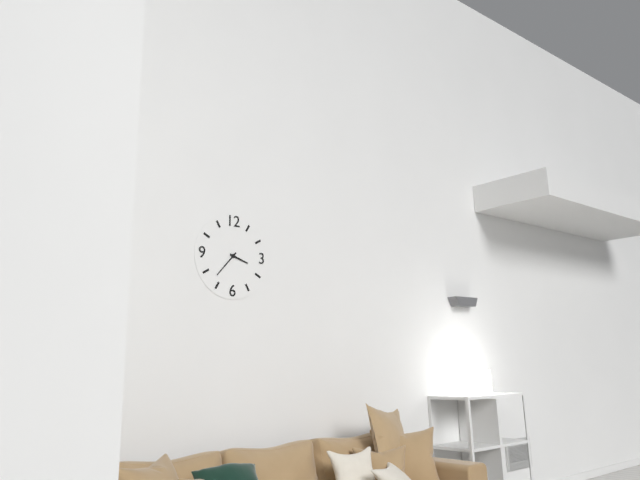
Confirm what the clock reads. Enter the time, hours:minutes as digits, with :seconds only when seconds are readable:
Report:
3:37
